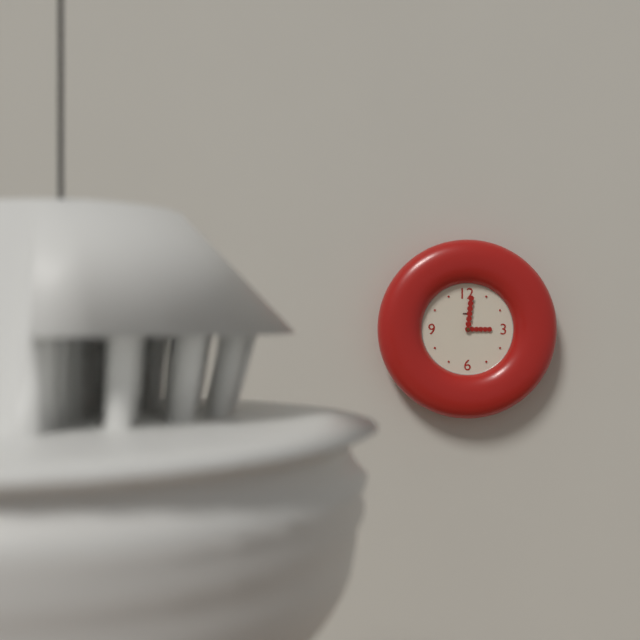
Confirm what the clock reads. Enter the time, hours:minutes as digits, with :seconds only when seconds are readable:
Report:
3:01
